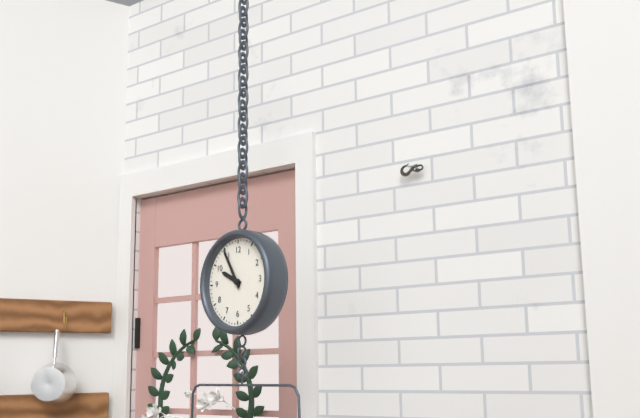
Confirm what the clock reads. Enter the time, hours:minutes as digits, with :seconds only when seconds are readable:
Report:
9:55
